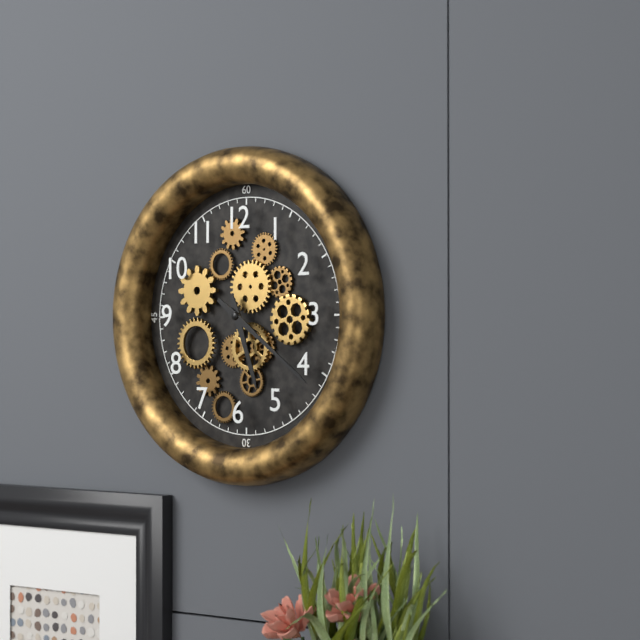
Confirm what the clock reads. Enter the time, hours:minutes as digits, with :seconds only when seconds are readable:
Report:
5:21
